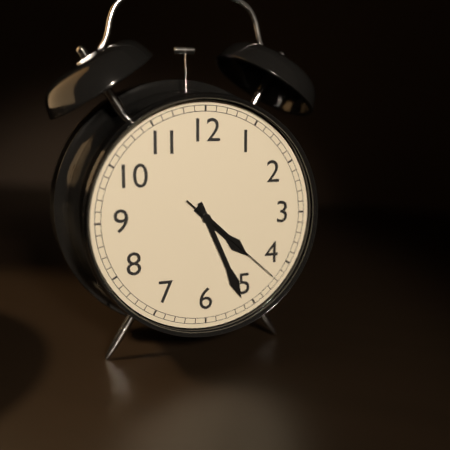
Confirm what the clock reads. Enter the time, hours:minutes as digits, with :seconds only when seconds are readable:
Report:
4:26:22
